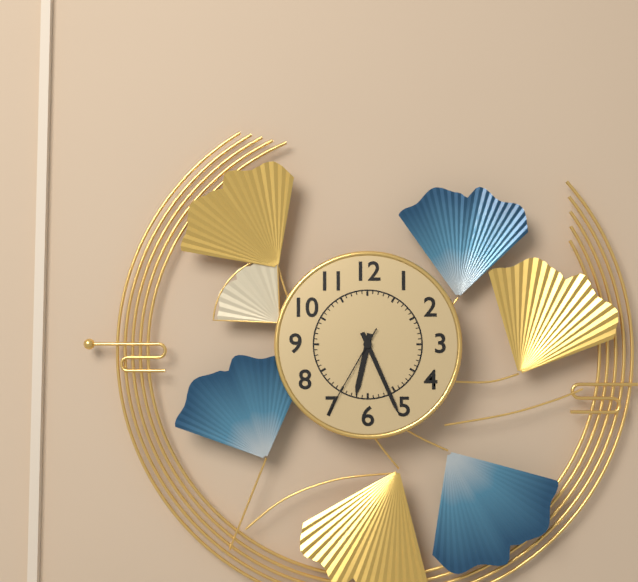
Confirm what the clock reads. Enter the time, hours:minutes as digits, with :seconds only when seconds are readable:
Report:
6:26:35
